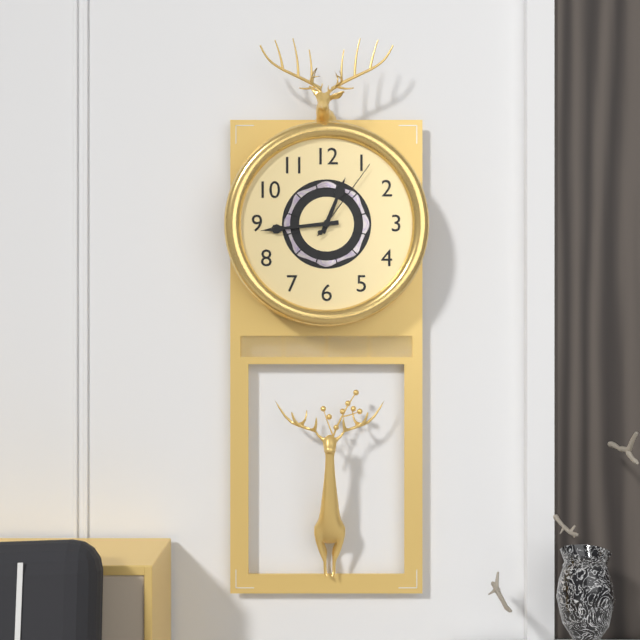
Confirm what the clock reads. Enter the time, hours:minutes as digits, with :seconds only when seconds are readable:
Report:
12:44:06
